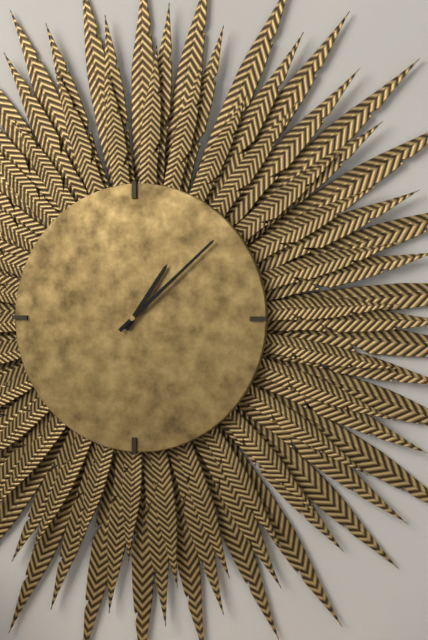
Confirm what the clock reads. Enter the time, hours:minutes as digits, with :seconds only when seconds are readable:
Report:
1:08
